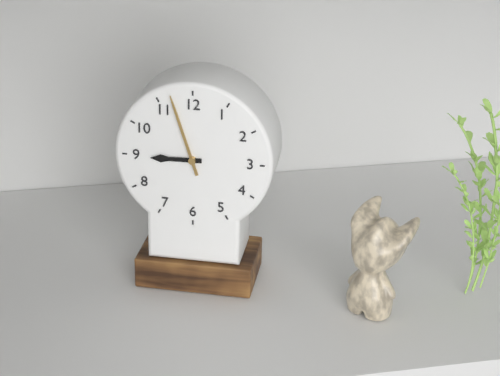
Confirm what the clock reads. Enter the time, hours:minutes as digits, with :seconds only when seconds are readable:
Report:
8:57
